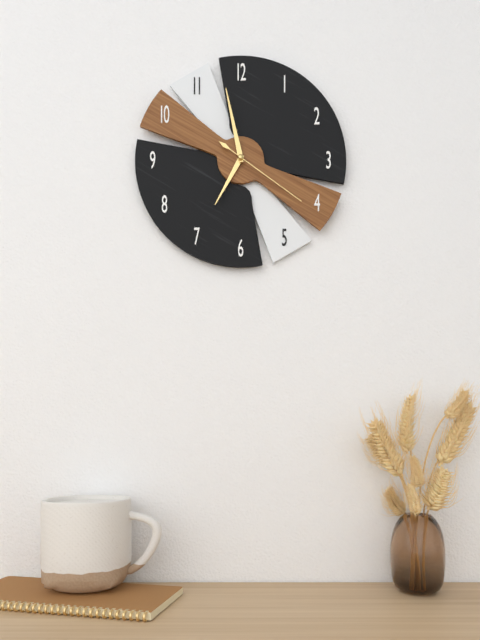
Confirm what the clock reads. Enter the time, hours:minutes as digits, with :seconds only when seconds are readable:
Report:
6:58:21
